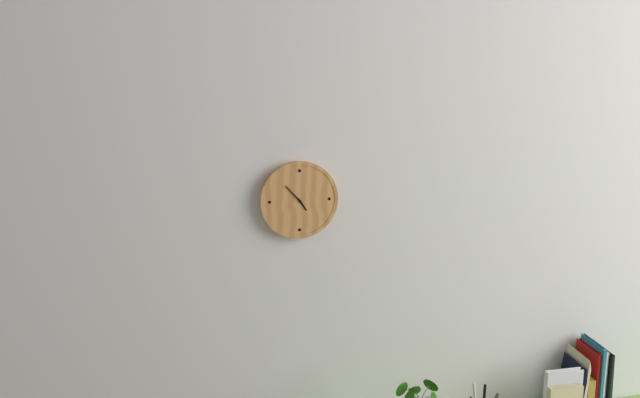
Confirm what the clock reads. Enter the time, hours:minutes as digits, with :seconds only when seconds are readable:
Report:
4:53
